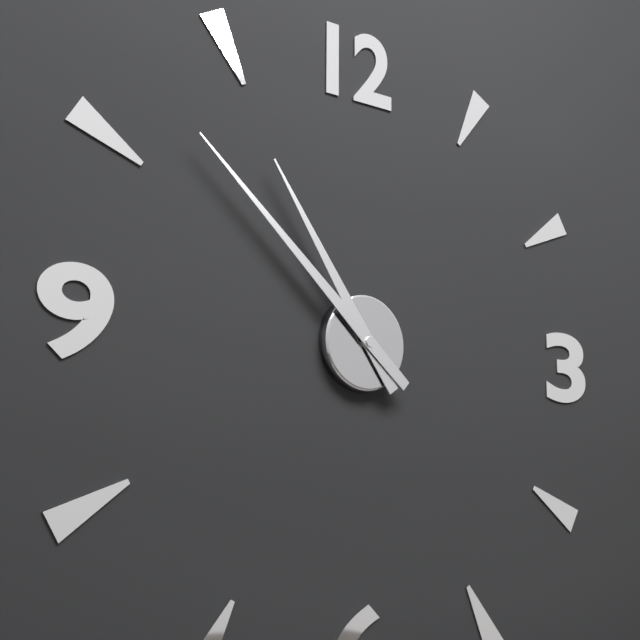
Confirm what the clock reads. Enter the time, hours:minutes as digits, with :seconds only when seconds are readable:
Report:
10:52
